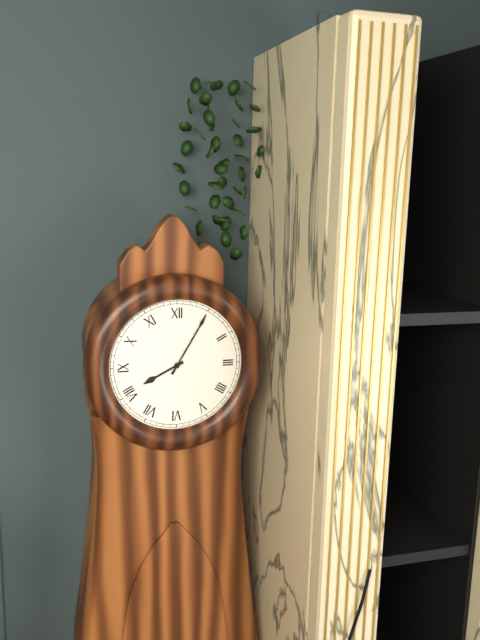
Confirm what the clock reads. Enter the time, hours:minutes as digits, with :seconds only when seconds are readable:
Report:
8:05
